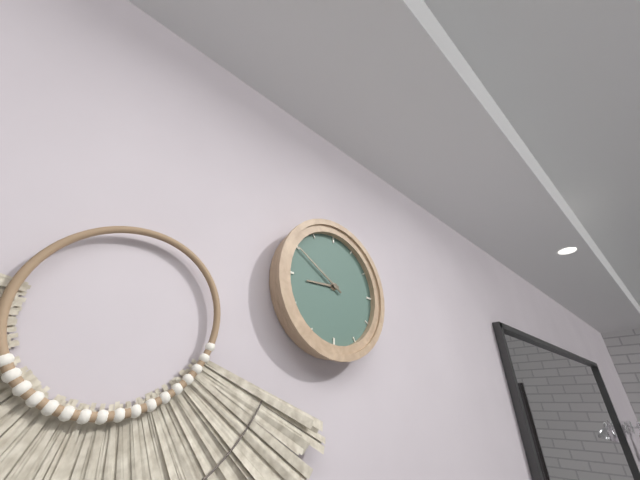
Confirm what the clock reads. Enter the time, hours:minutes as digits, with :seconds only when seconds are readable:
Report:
8:50
